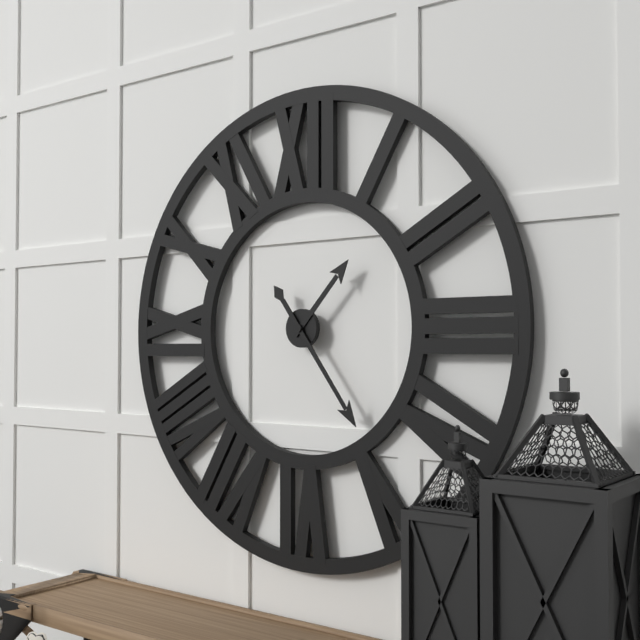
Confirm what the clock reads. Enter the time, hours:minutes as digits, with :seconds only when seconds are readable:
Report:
1:24
